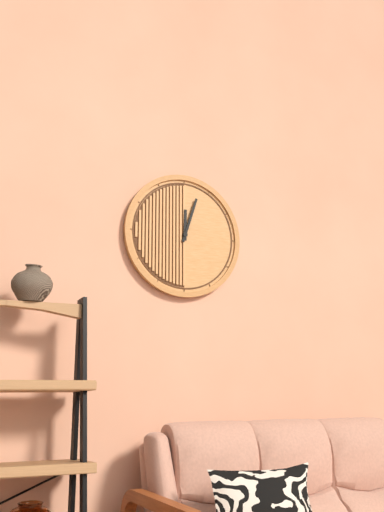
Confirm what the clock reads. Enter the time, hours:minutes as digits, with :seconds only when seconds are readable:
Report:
12:03
